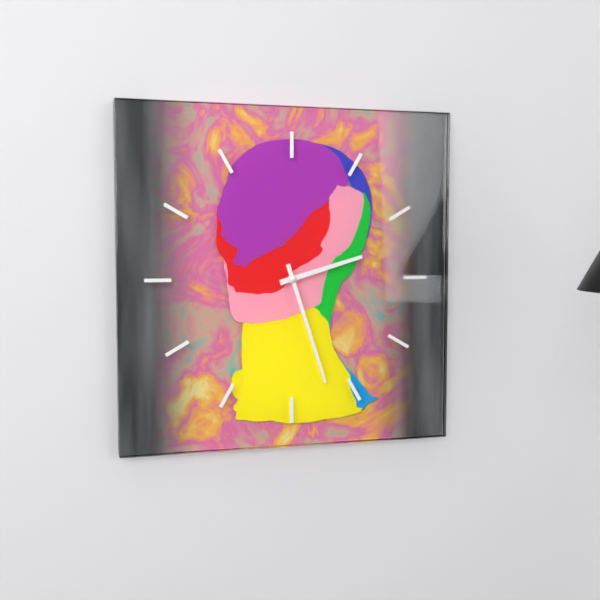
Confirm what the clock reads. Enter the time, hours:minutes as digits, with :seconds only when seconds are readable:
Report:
2:27
